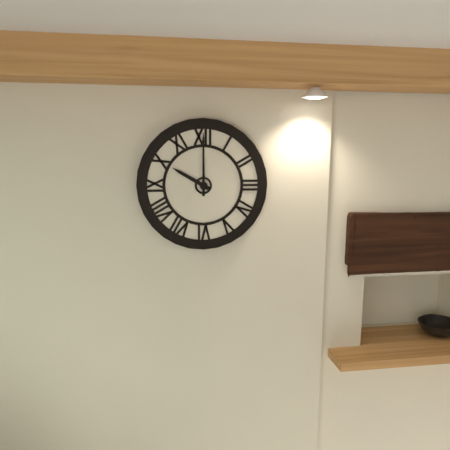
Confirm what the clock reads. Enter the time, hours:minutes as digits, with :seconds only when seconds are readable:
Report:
10:00
